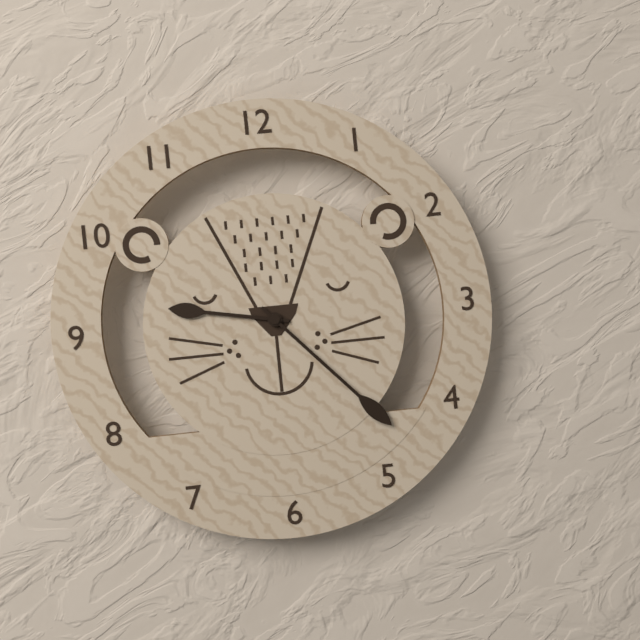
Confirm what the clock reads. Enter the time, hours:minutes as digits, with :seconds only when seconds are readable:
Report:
9:23
